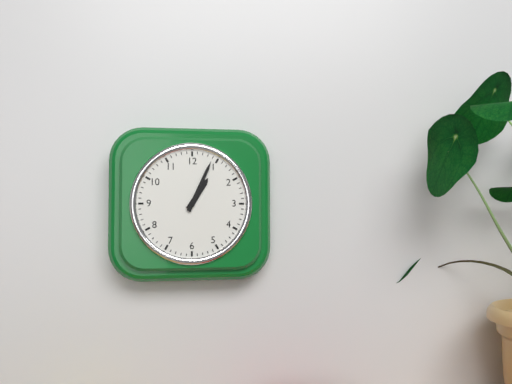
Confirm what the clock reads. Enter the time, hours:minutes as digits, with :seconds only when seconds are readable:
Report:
1:04
